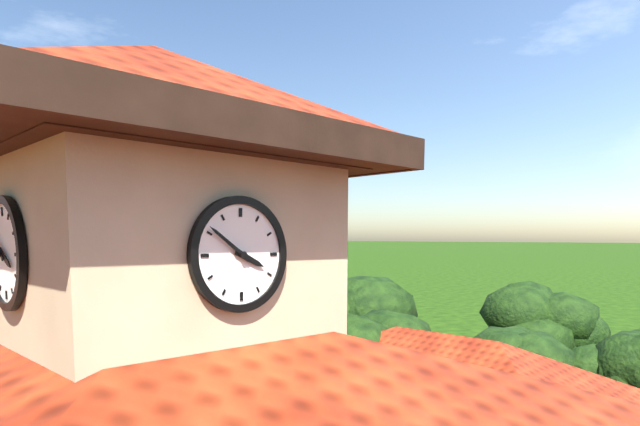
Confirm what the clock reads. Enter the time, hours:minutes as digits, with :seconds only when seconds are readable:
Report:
3:51
